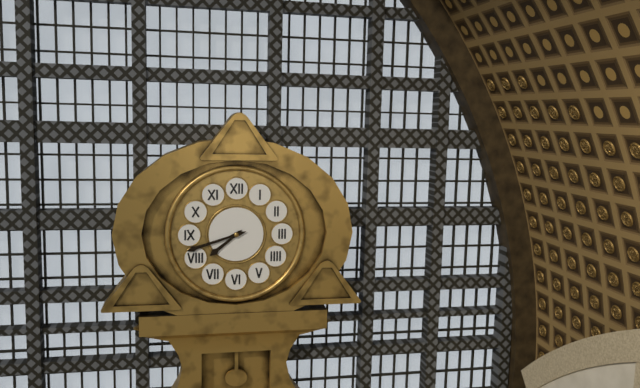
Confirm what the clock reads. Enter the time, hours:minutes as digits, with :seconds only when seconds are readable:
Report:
7:42
